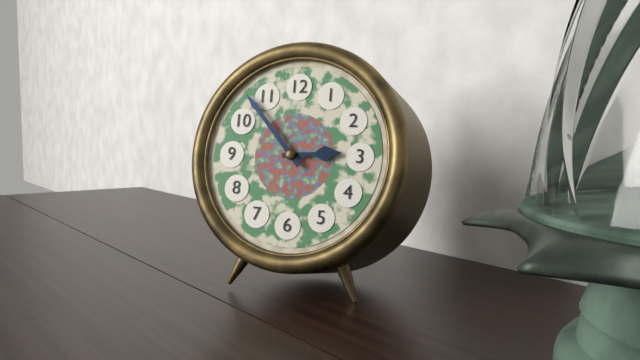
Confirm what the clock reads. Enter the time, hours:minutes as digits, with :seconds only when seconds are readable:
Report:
2:53
